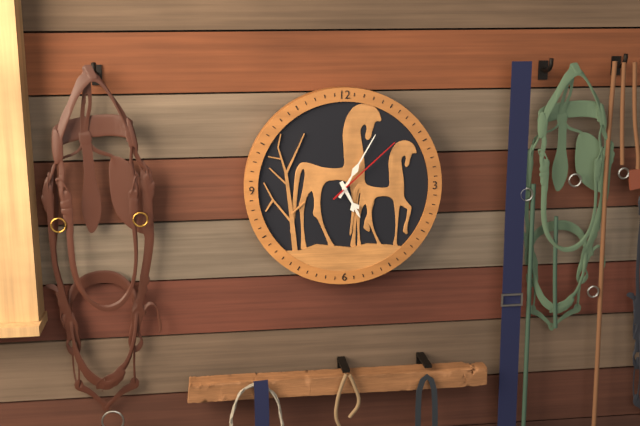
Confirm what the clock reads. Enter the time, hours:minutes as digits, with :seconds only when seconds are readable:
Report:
5:05:08
